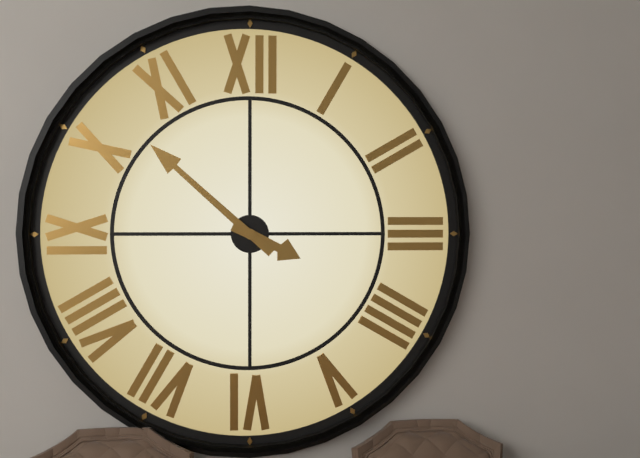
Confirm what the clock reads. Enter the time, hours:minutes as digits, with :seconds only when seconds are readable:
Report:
3:52
